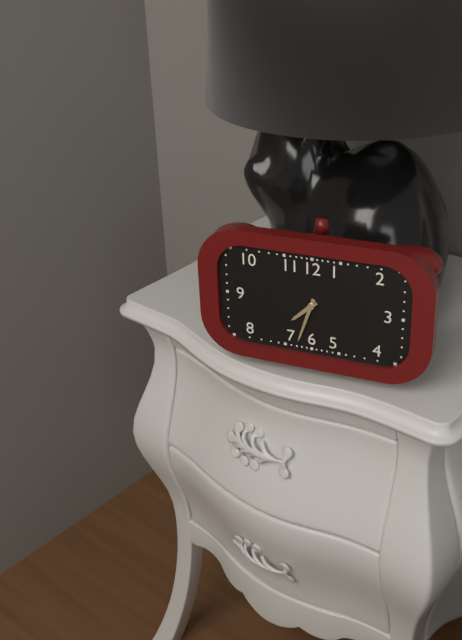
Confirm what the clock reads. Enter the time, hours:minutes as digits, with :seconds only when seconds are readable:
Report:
7:33
